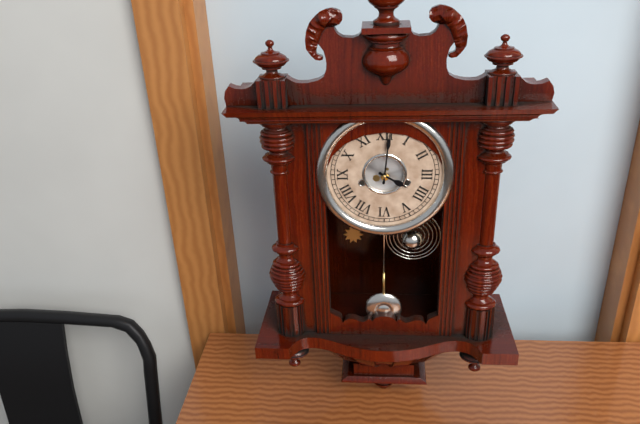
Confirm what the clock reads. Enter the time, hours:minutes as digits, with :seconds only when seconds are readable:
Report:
4:01
